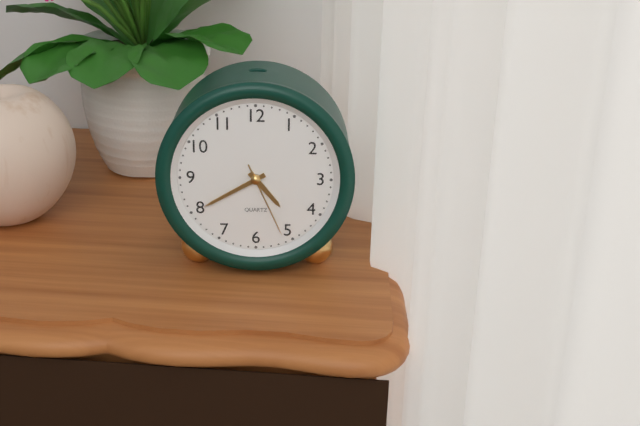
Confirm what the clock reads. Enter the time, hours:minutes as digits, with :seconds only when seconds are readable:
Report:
4:40:26
